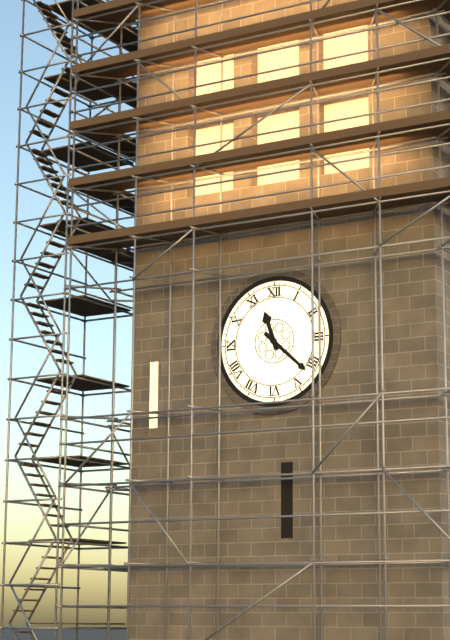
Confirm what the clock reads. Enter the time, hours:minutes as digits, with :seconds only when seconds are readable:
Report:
11:22
